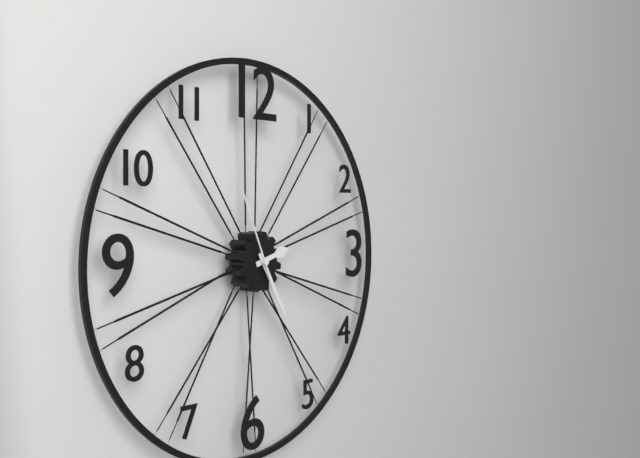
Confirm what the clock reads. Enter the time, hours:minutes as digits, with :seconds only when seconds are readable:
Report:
2:25:56
